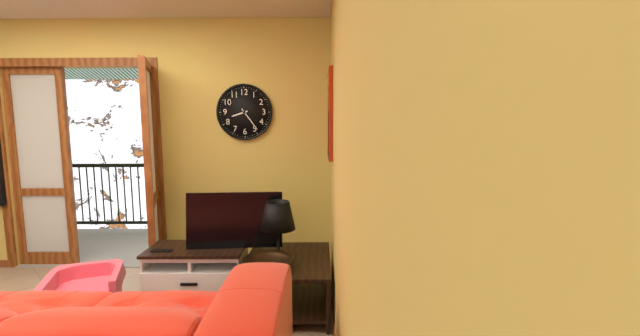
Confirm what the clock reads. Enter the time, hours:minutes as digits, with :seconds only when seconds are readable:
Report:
8:24
